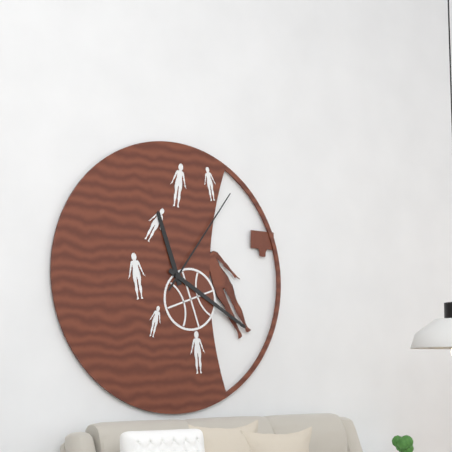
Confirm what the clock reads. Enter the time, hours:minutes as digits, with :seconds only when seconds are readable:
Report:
11:20:06
